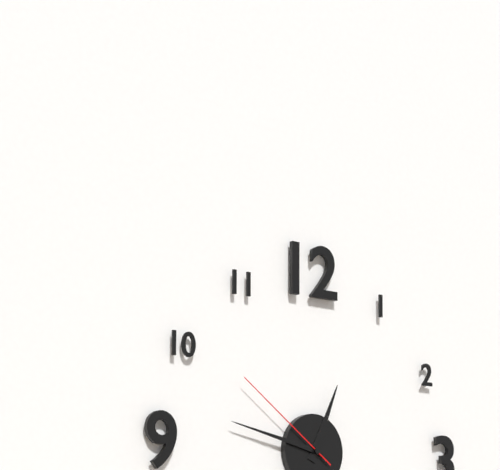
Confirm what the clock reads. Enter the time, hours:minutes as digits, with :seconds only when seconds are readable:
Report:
12:47:51
